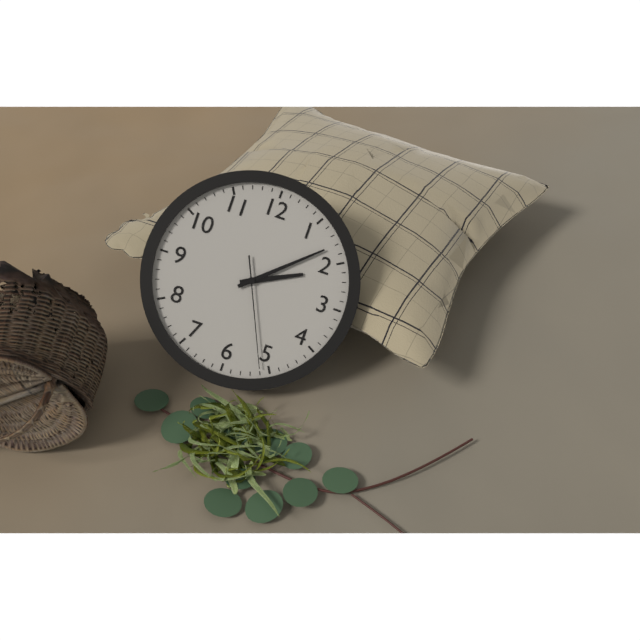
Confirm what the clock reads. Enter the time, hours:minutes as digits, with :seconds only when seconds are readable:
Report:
2:08:26
